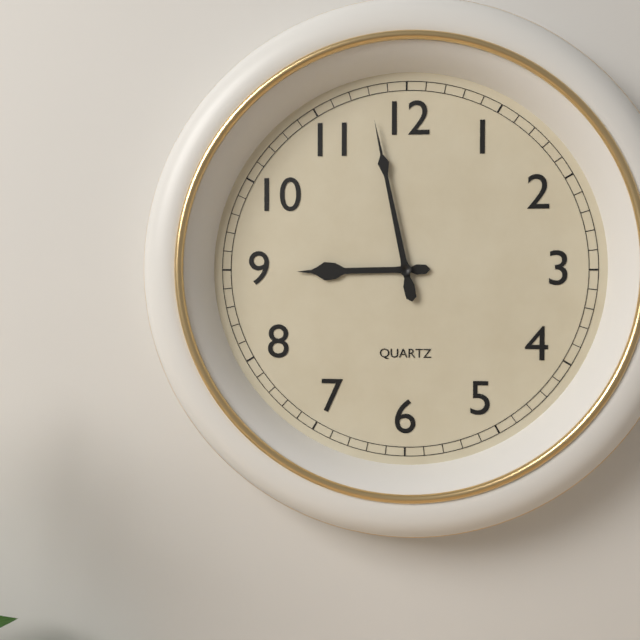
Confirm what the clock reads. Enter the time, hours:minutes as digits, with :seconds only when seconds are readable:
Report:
8:58
